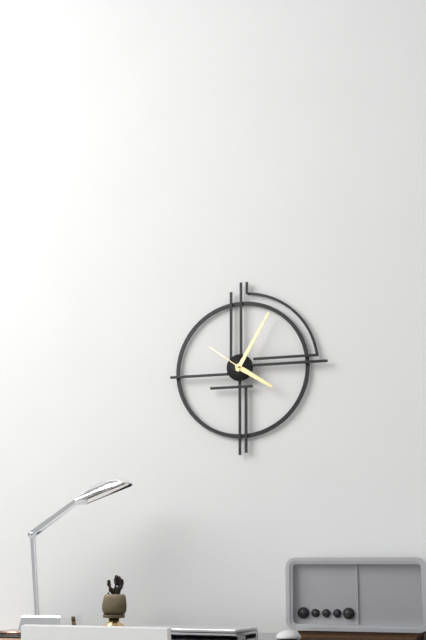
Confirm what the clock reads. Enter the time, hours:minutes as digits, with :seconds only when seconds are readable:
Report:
4:05
